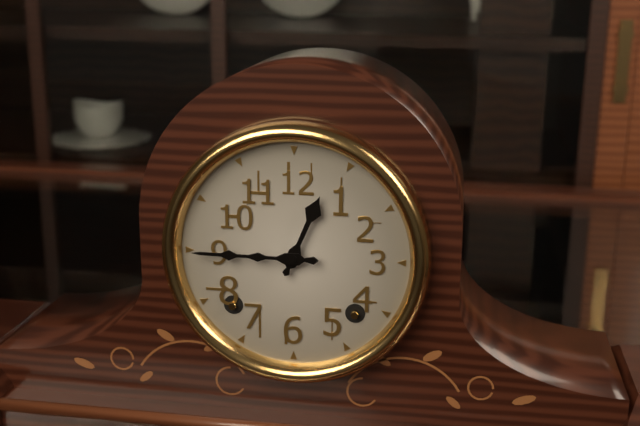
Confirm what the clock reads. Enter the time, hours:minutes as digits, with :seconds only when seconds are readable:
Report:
12:45
